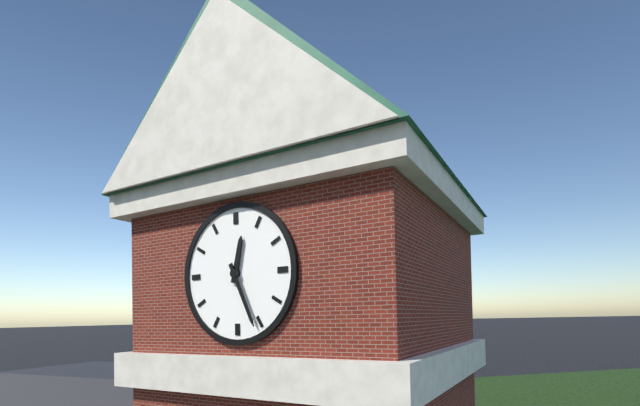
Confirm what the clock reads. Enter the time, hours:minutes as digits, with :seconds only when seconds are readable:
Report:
12:26
